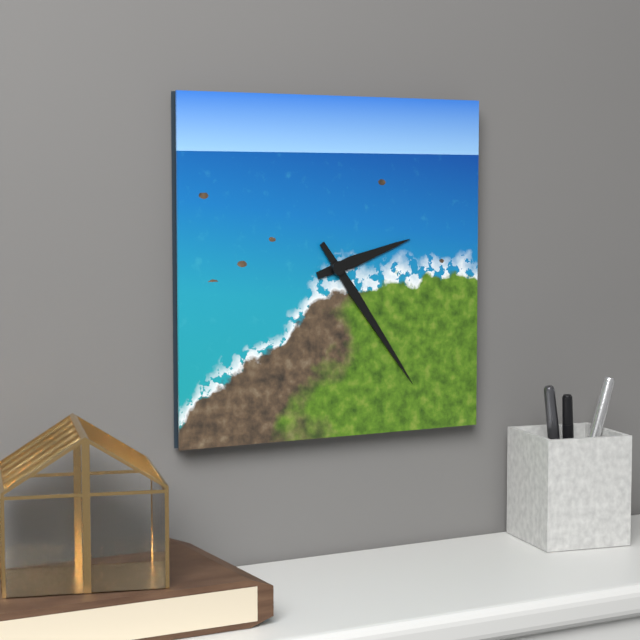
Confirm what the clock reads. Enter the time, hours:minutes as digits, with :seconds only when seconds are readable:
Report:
2:24
